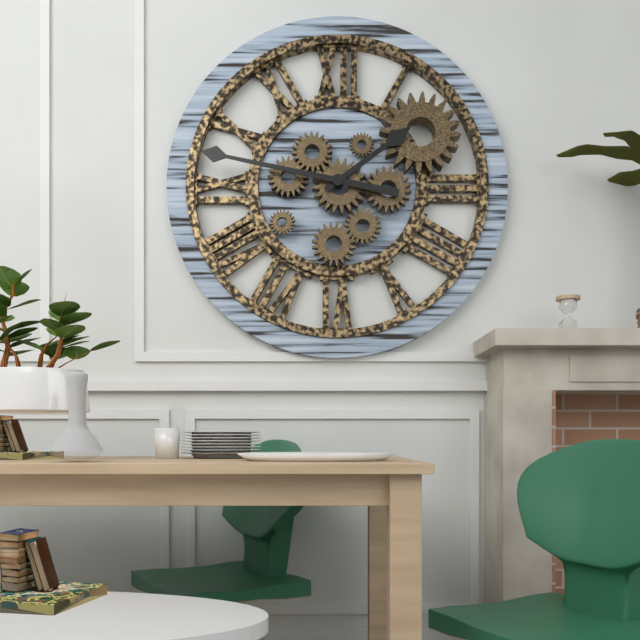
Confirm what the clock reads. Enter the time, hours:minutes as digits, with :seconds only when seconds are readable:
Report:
1:47
